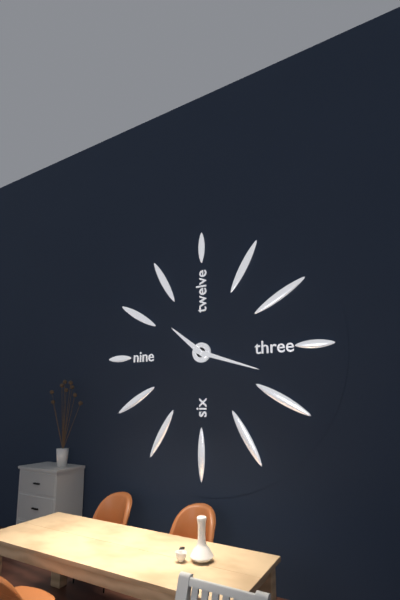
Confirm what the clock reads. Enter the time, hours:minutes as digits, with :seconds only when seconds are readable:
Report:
10:18
